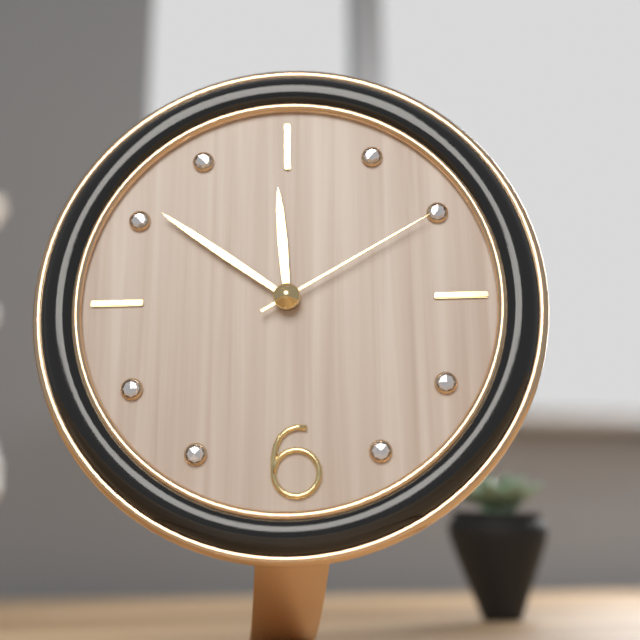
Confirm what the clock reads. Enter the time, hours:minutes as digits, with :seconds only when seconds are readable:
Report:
11:51:10
